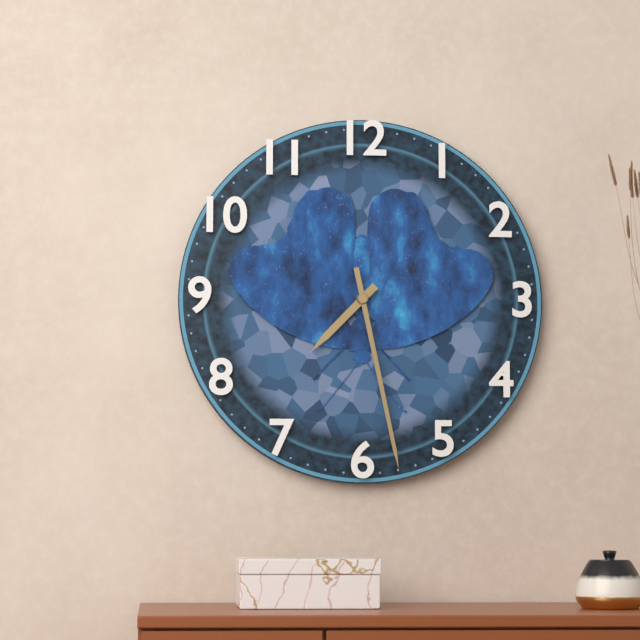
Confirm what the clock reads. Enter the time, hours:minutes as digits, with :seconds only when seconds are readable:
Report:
7:28
